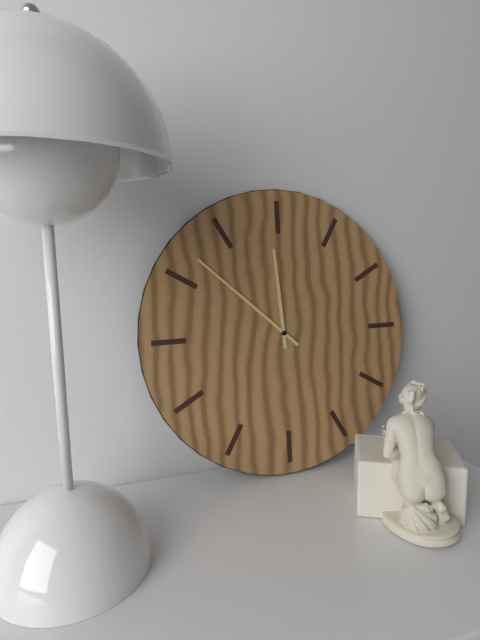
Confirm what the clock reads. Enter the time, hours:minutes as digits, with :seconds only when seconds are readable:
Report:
11:52
